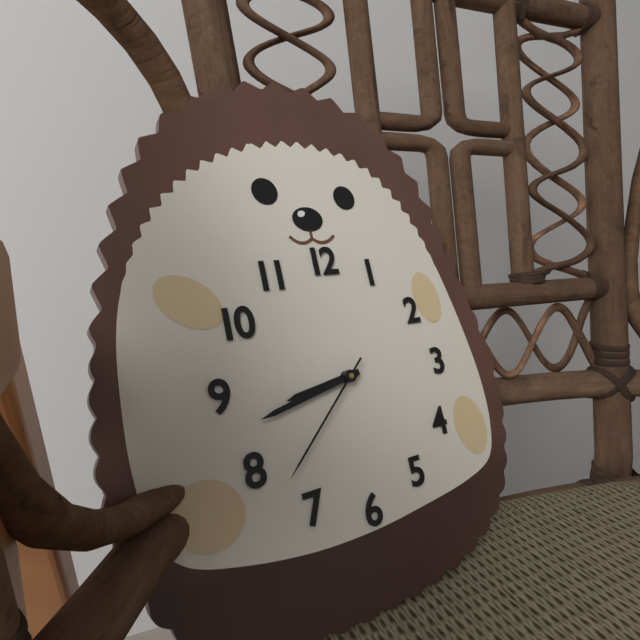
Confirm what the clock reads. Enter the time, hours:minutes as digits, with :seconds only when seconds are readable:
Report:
8:43:38
